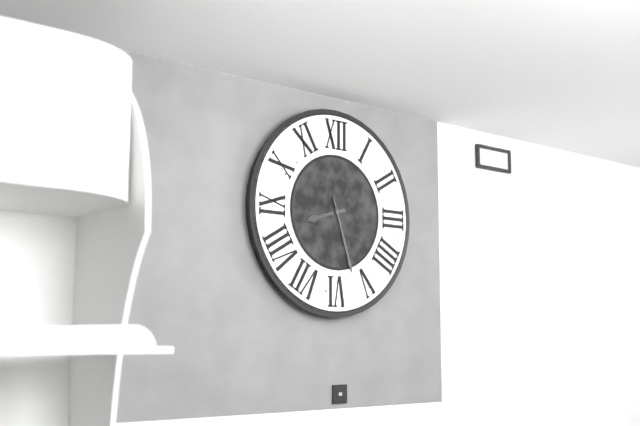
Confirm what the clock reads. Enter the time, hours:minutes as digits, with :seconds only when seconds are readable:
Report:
8:27
